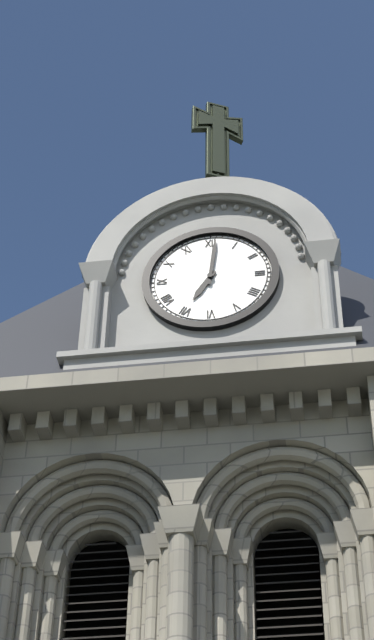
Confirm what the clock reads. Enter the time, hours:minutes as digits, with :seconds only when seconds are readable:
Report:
7:01
